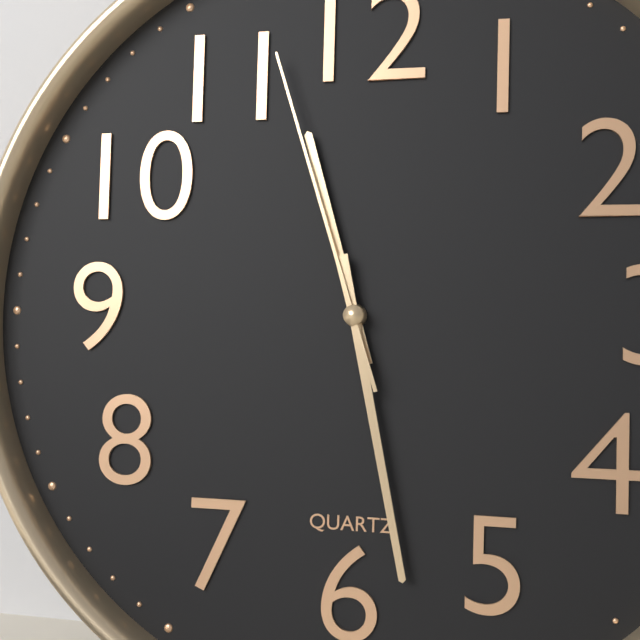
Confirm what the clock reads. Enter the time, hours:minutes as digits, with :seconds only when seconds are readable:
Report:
11:28:57
